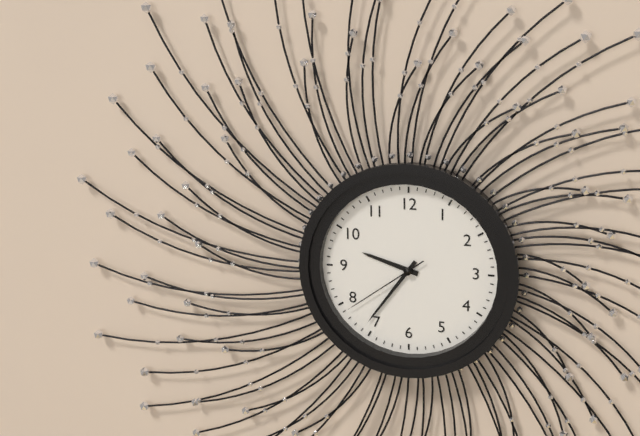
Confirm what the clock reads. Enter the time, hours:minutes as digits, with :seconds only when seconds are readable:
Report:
9:36:39
